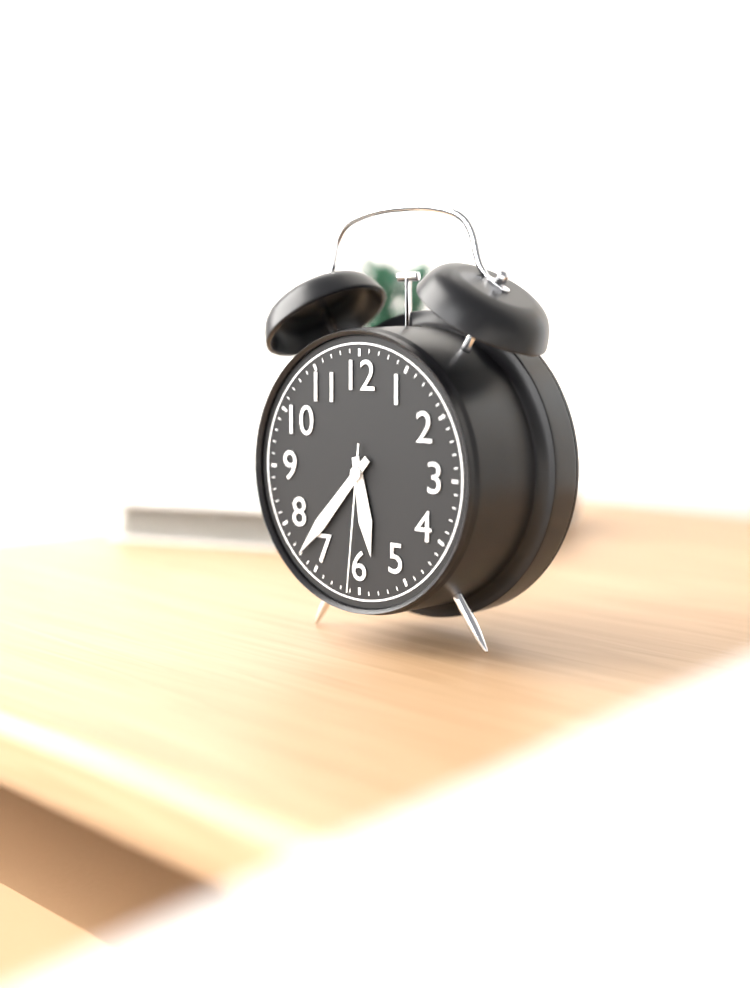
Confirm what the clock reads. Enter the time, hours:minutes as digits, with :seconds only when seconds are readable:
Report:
5:37:31
